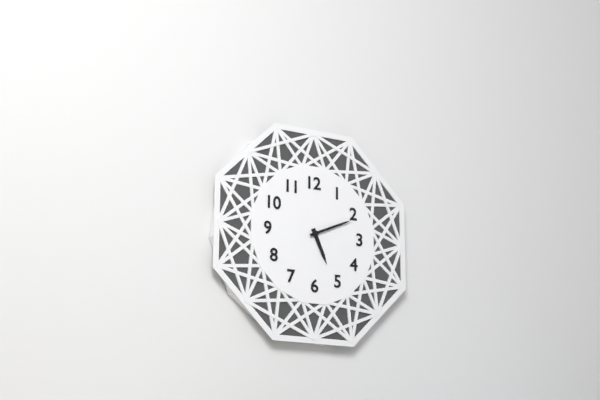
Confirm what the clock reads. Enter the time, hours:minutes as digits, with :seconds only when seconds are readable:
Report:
5:11
